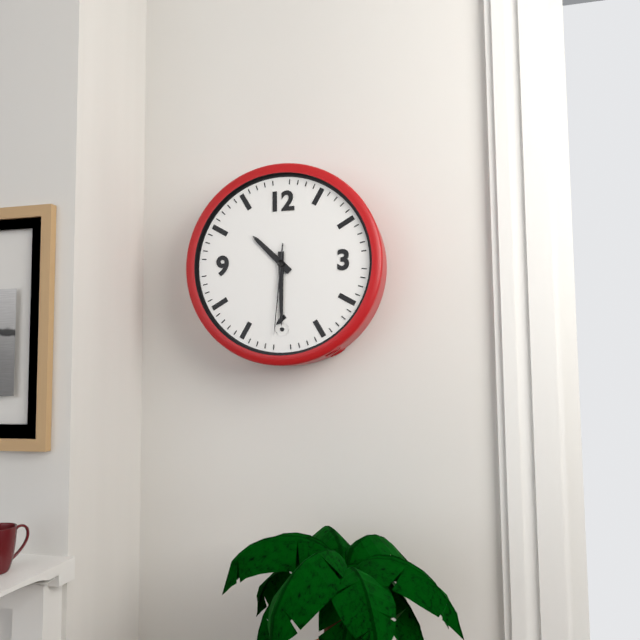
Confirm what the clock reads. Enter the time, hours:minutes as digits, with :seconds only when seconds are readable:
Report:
10:30:31
